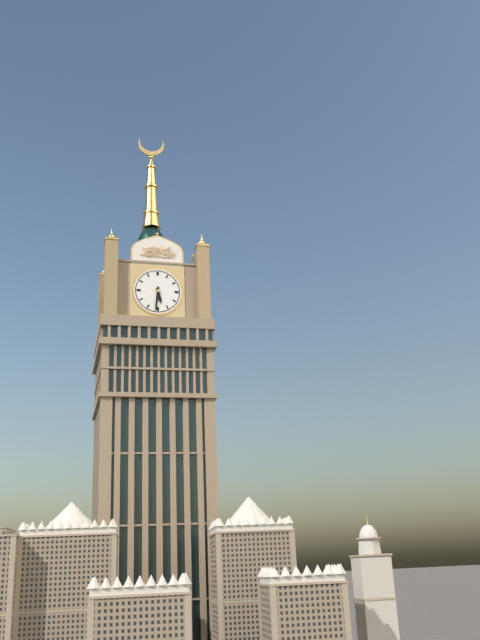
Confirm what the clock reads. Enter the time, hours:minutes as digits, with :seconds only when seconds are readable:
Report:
5:31
